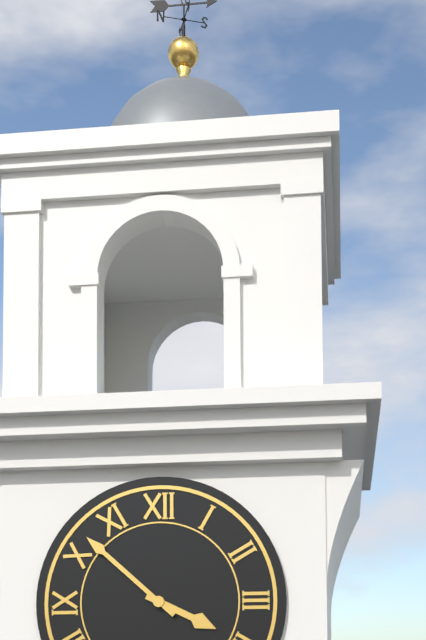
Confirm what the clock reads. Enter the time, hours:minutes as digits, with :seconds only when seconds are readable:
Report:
3:52
